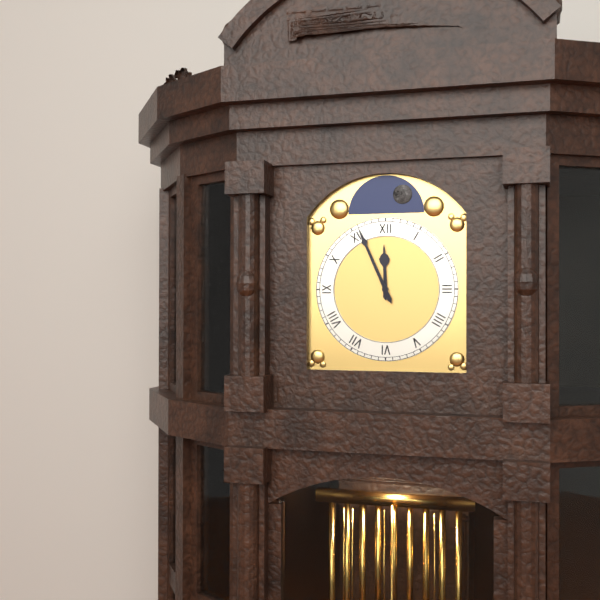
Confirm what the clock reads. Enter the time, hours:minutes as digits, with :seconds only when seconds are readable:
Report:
11:56
